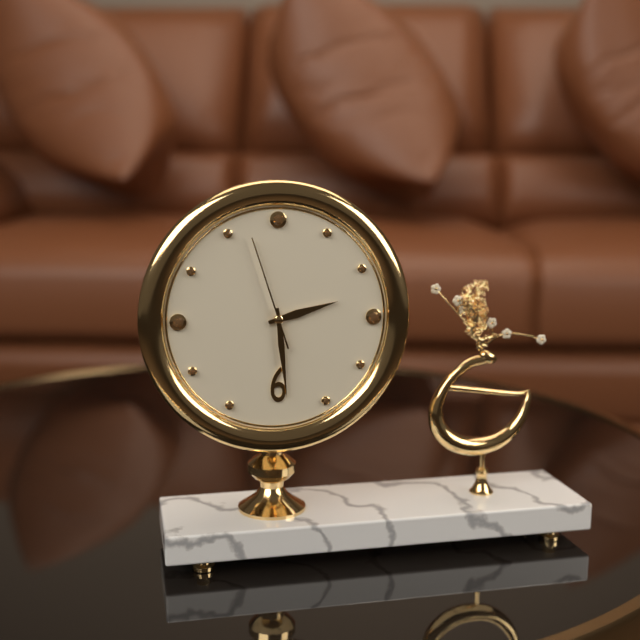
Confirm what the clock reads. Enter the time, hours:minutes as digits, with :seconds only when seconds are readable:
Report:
2:29:57
